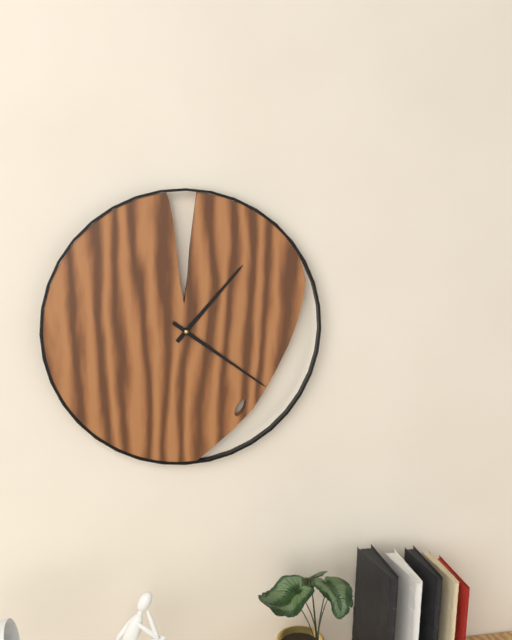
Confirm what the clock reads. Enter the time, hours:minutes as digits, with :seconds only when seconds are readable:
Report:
1:21
